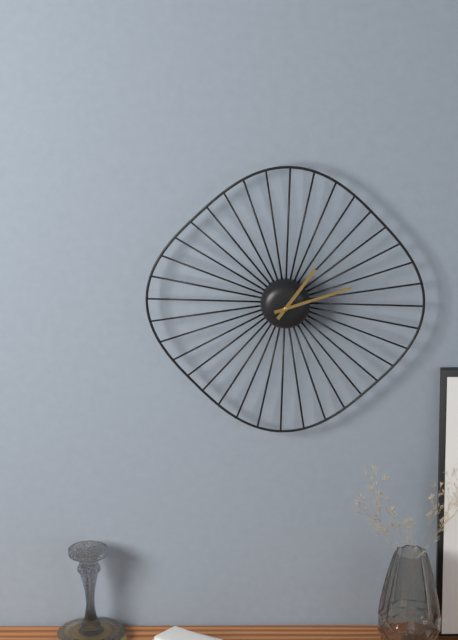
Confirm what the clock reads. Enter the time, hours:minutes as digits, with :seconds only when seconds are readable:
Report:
1:12
